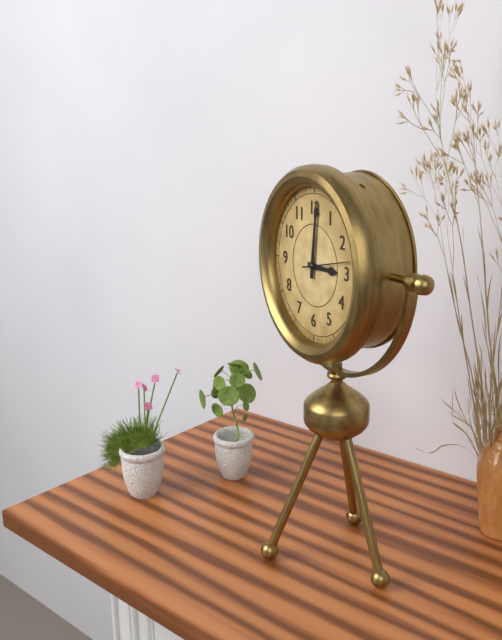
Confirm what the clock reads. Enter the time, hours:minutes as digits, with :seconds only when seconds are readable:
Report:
3:01:13
